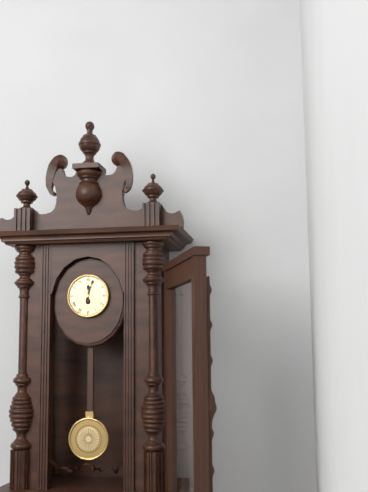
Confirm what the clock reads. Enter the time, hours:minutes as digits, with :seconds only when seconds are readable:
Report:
12:03
